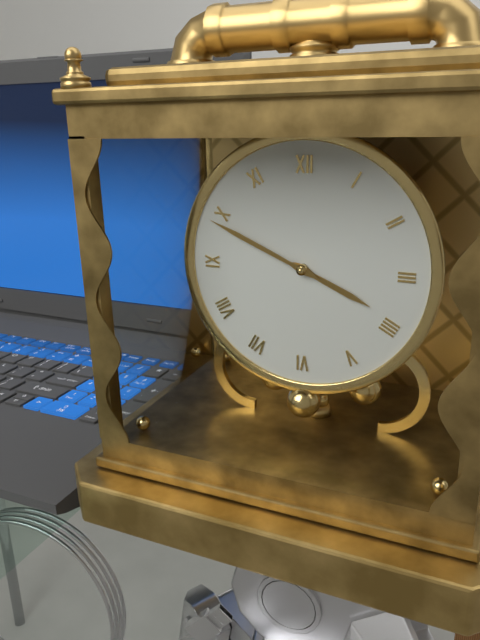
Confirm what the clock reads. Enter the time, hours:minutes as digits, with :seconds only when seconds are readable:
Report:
3:49
